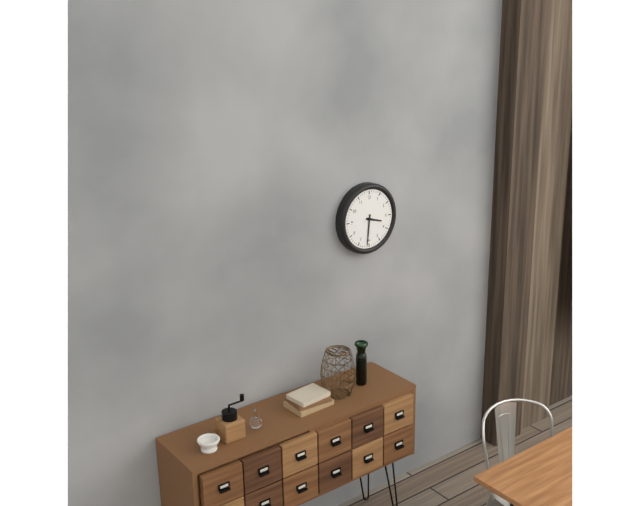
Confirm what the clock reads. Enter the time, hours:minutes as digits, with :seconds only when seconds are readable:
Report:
3:31
